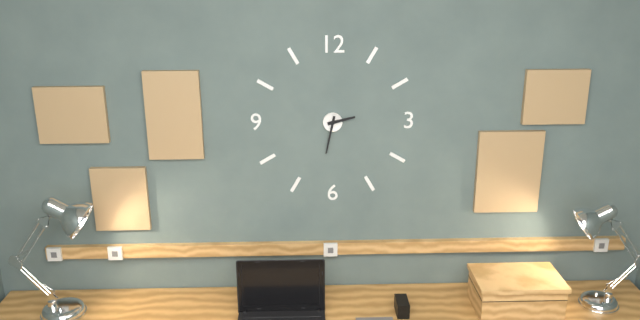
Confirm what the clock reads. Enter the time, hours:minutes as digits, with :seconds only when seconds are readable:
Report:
2:32
